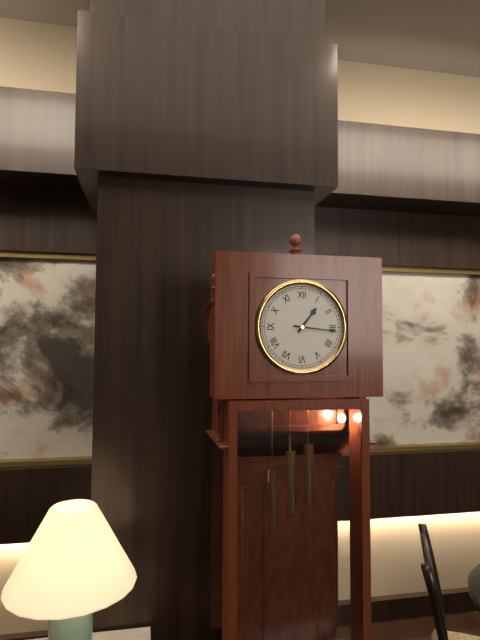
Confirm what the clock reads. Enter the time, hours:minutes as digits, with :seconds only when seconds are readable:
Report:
1:16
